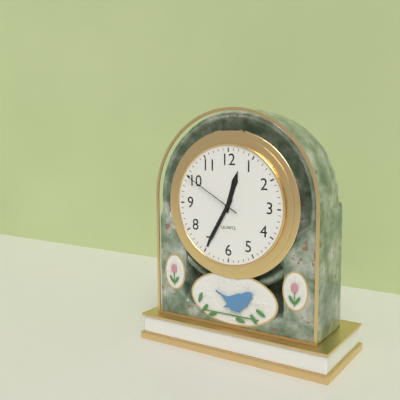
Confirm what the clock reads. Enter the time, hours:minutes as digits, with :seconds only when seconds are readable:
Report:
12:35:50
